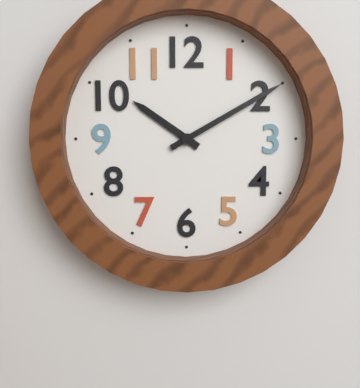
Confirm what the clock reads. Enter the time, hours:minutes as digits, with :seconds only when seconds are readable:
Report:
10:10
